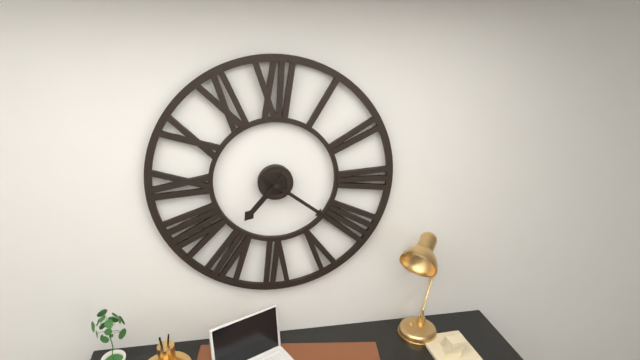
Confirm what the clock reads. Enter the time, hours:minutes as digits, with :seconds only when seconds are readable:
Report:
7:21
